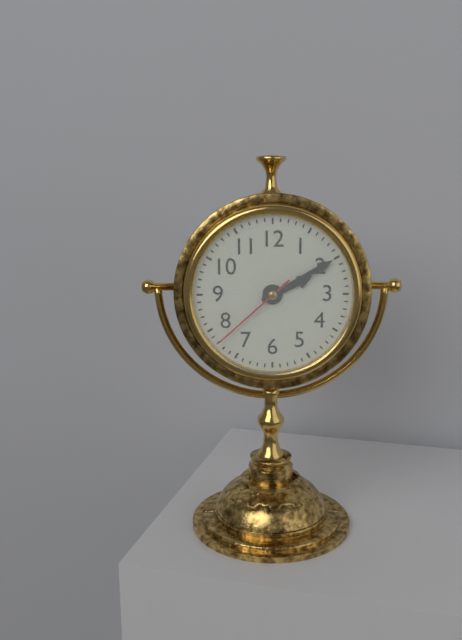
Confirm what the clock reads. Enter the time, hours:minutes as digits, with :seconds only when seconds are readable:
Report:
2:10:38
